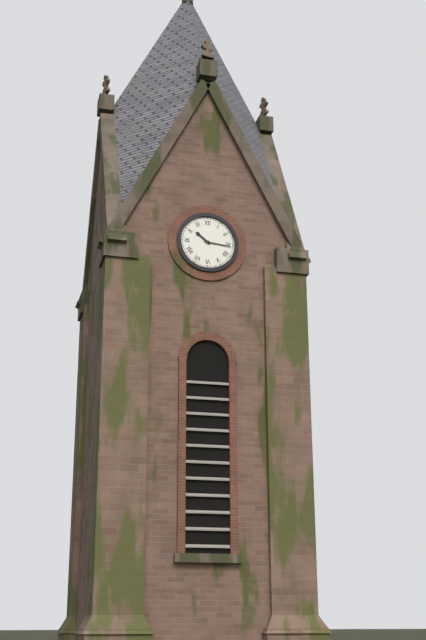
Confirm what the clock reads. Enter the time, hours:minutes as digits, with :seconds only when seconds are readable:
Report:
10:16
